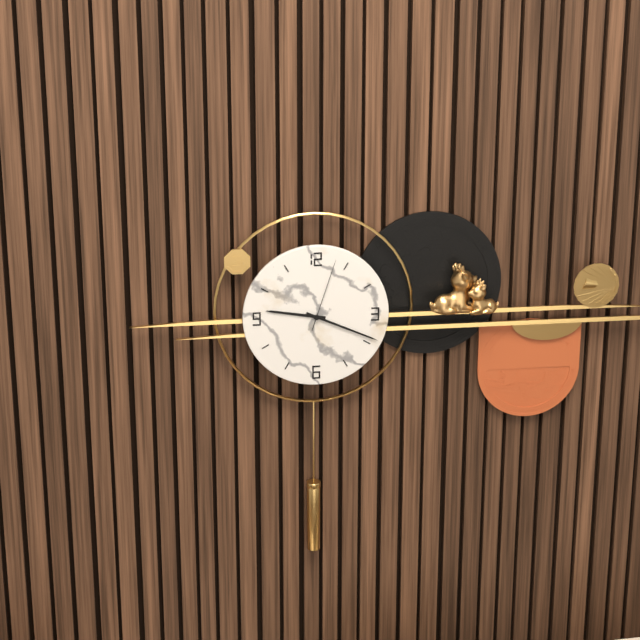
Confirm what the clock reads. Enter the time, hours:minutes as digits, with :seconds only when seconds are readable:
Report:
9:19:03
